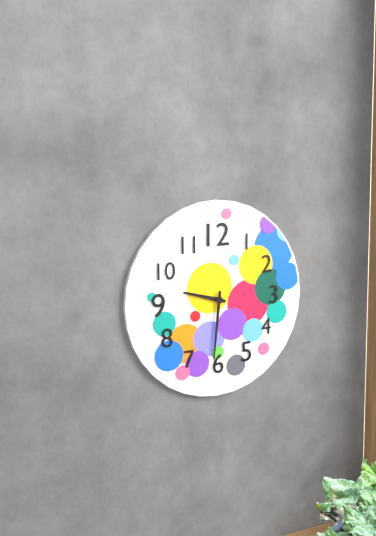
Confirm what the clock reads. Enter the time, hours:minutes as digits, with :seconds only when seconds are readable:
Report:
9:31
